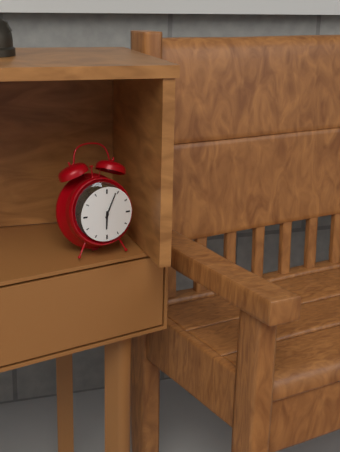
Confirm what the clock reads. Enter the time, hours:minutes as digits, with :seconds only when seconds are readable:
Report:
6:04
